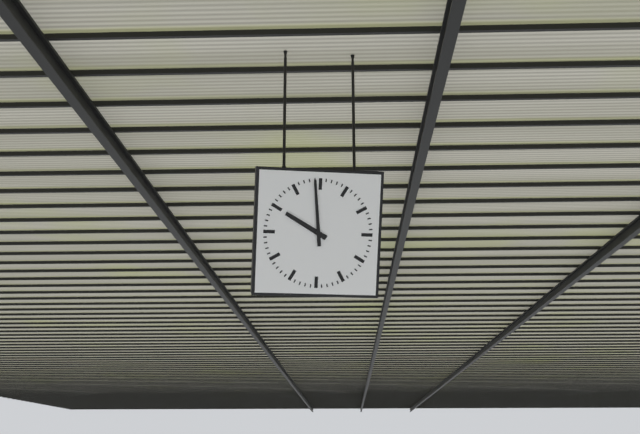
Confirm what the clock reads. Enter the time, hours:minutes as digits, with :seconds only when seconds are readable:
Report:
9:59
